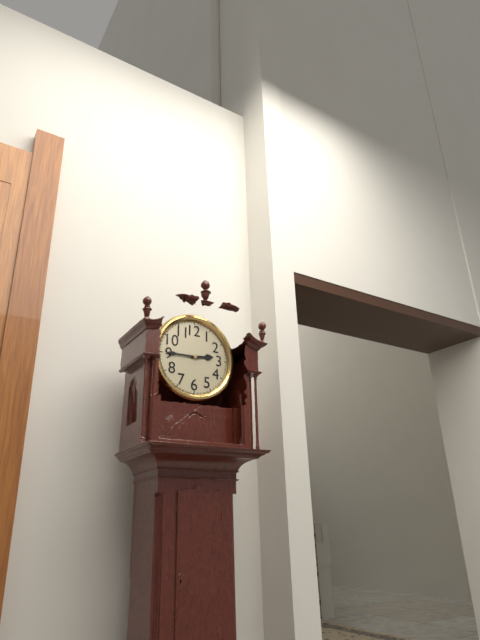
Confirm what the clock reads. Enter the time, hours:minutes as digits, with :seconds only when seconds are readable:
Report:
2:45
